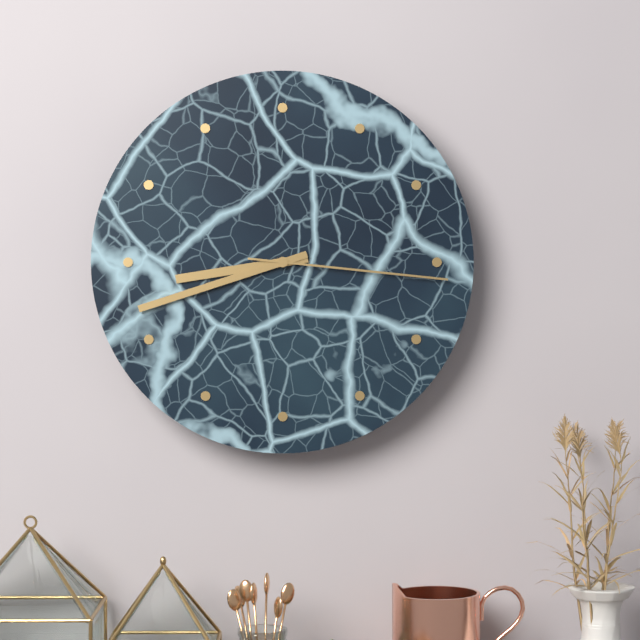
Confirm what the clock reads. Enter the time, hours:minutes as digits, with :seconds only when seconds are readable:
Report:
8:42:16
